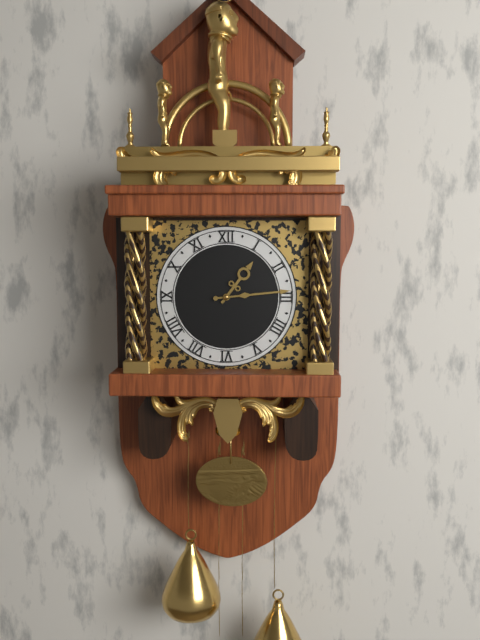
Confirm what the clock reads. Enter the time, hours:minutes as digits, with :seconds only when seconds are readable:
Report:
1:14
